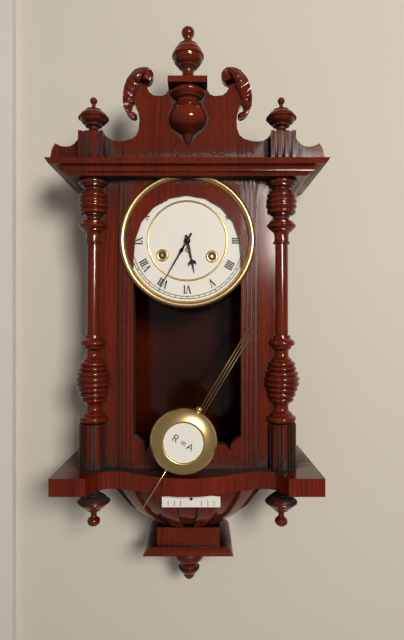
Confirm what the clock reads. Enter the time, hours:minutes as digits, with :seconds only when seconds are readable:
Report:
5:35
